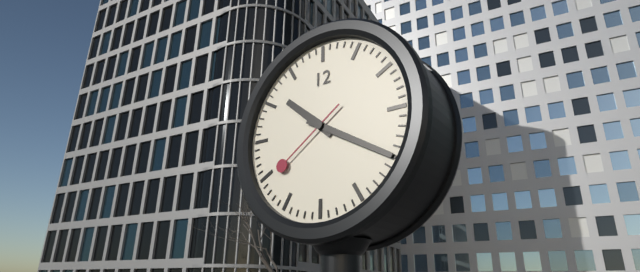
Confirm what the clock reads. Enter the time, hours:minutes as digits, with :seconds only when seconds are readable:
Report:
10:20:39
